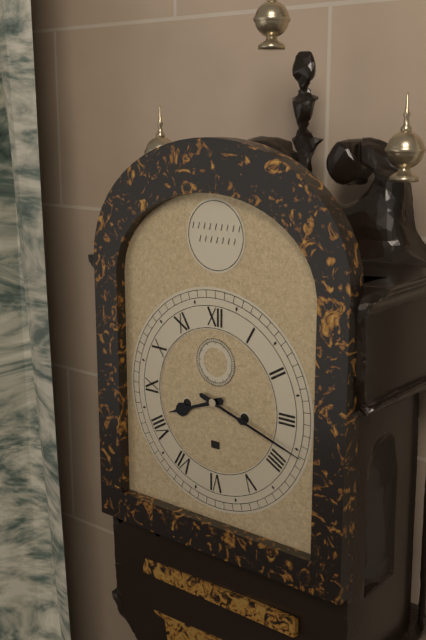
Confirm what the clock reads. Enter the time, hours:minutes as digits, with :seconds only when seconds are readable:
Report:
8:18
